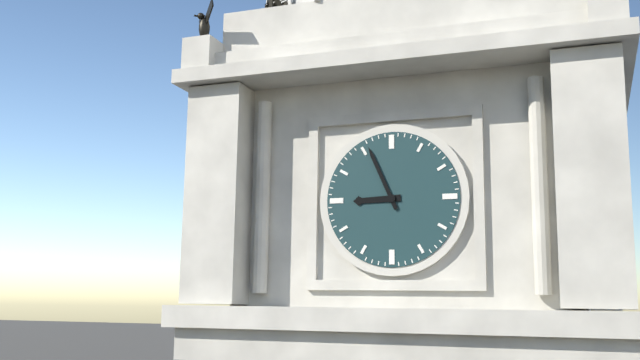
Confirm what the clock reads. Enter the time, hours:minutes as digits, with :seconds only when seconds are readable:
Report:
8:56
